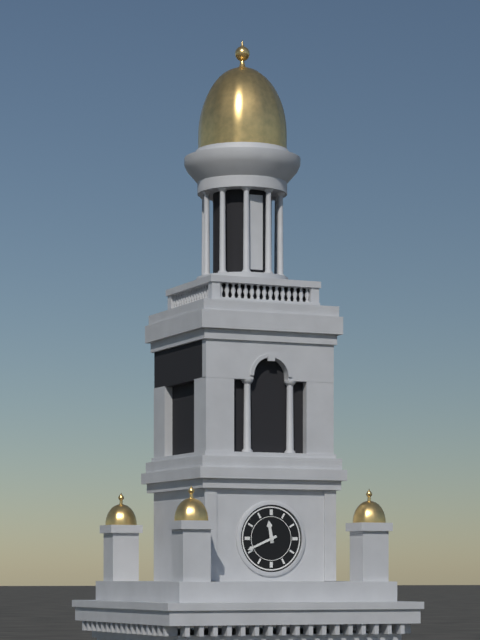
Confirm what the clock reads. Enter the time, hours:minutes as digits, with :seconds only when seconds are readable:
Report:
11:41
